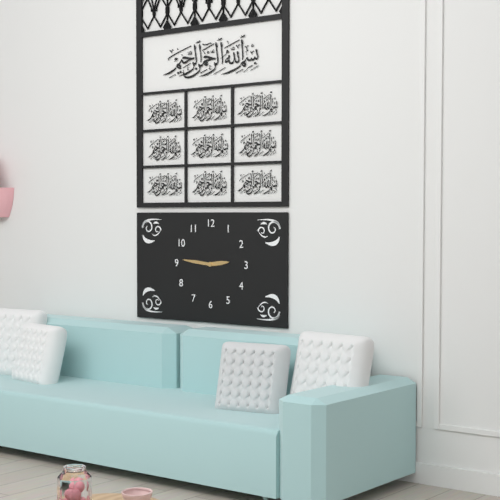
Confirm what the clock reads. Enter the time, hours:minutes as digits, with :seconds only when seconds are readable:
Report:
2:46
